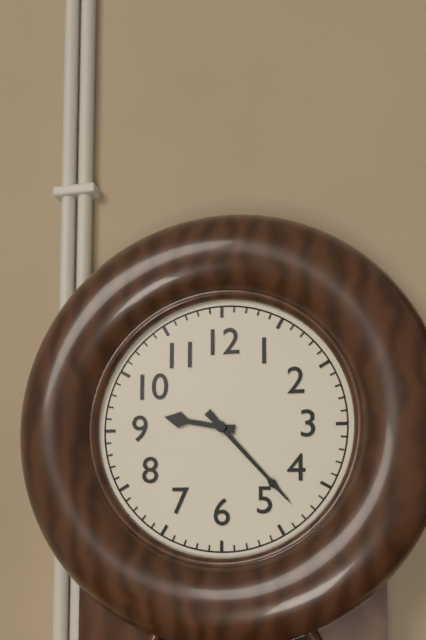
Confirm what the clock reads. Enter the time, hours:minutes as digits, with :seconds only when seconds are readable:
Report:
9:23
